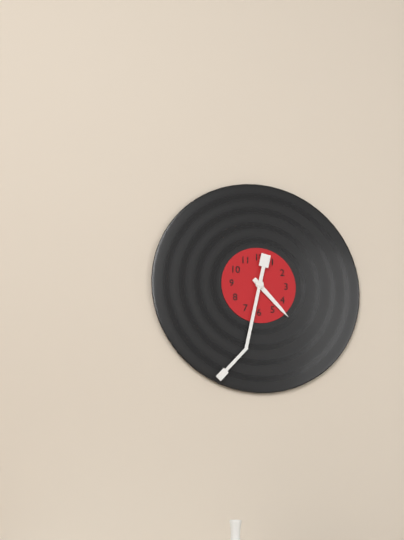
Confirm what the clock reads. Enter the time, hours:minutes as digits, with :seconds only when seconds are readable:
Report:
4:32
